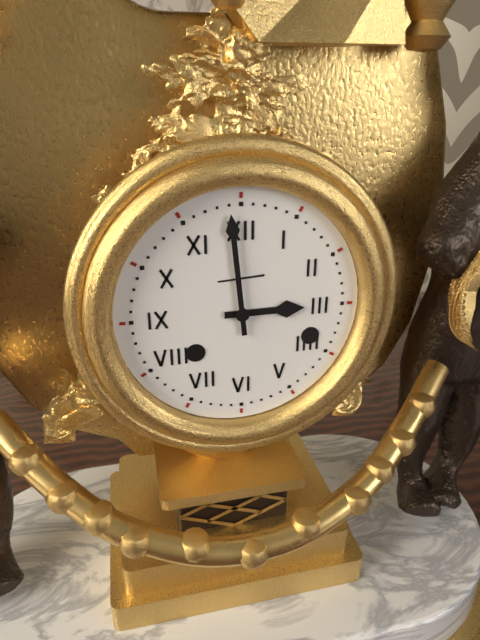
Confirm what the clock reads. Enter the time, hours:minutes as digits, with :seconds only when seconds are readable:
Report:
2:59
